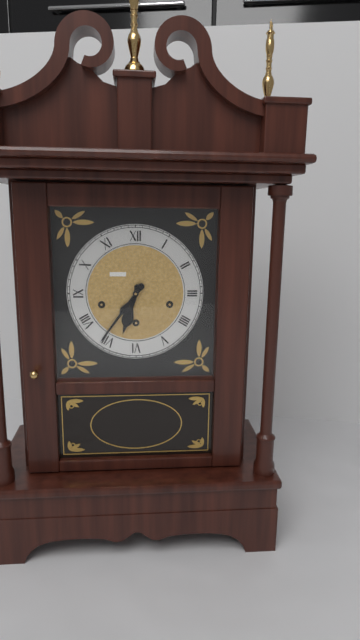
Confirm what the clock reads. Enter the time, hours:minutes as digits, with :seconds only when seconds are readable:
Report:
6:36
